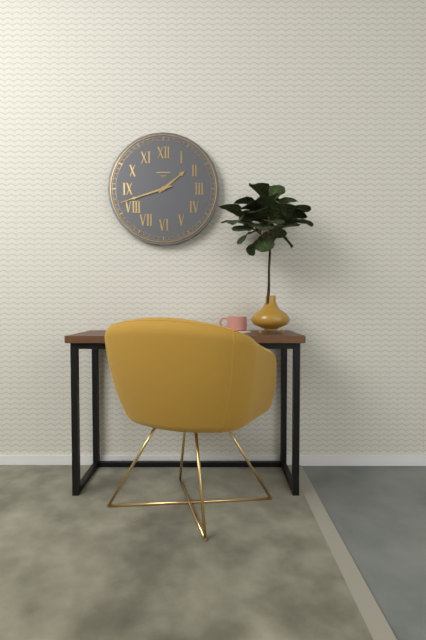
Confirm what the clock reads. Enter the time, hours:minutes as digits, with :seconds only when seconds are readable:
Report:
1:42
